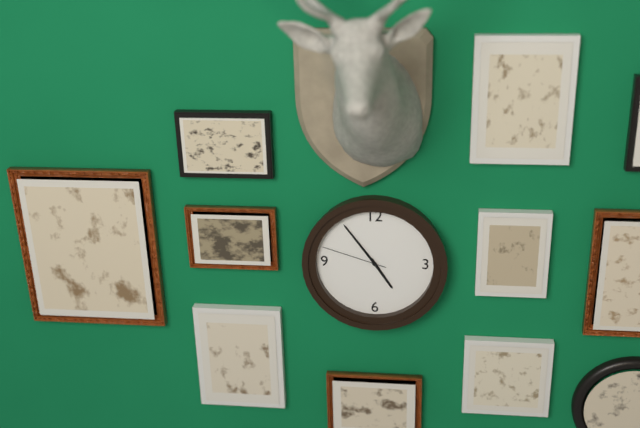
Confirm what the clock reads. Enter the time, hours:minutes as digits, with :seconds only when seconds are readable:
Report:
4:54:48
